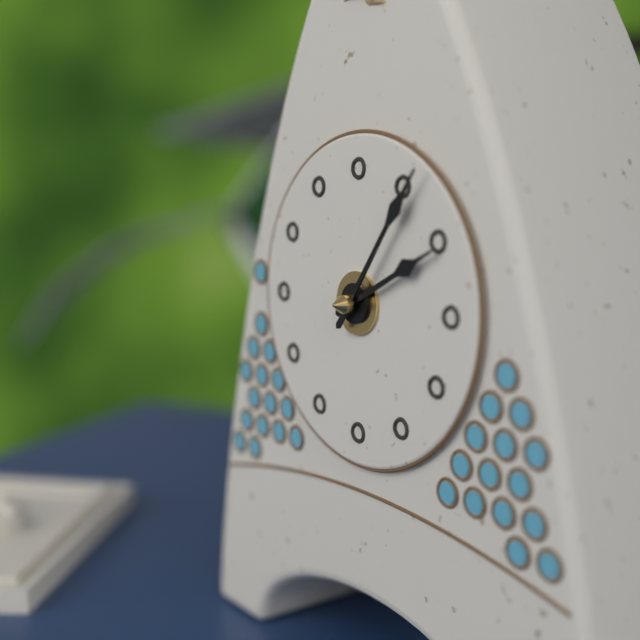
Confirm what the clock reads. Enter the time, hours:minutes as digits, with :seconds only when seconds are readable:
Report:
2:06
